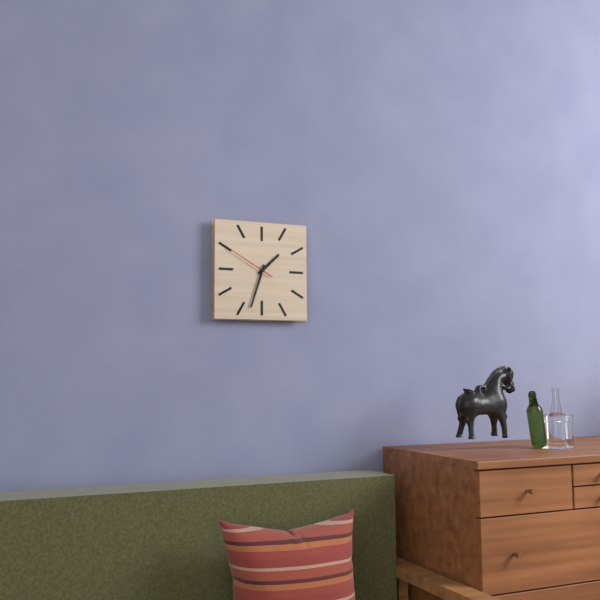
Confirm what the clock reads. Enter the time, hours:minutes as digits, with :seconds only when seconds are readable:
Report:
1:33:50
